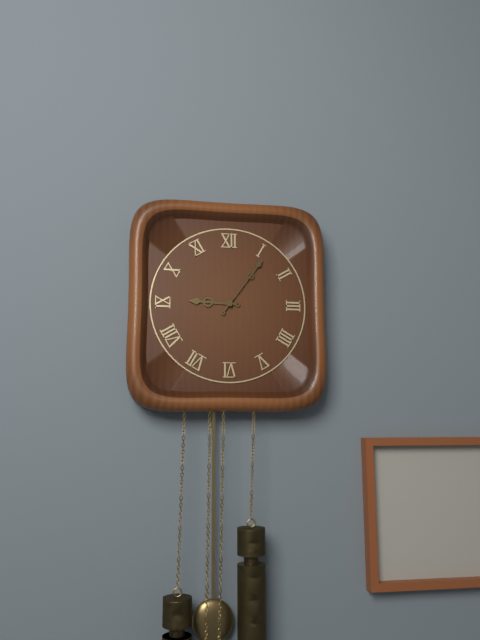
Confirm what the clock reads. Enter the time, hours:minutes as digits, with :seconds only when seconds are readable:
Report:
9:06
